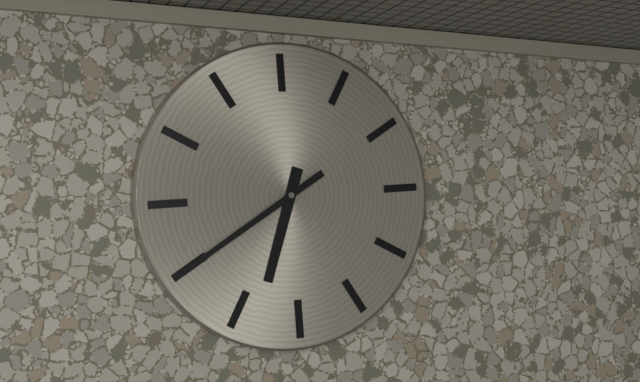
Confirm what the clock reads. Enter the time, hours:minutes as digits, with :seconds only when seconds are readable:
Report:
6:40
